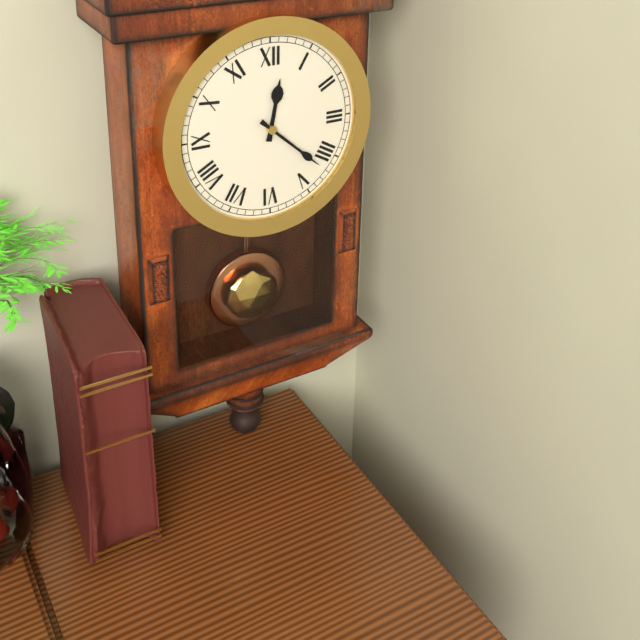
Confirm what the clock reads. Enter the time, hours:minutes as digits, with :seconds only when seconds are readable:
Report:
12:22
